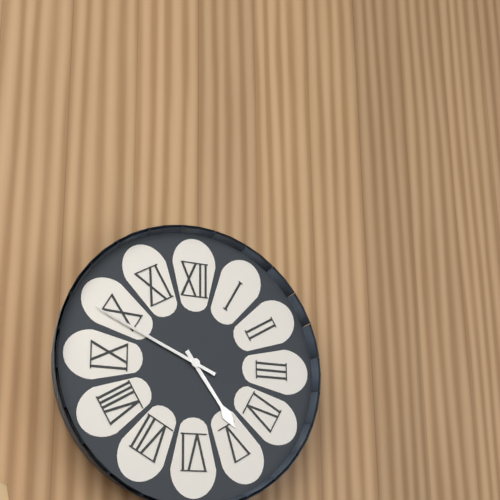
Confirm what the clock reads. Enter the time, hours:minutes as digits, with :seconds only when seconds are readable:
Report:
4:49
